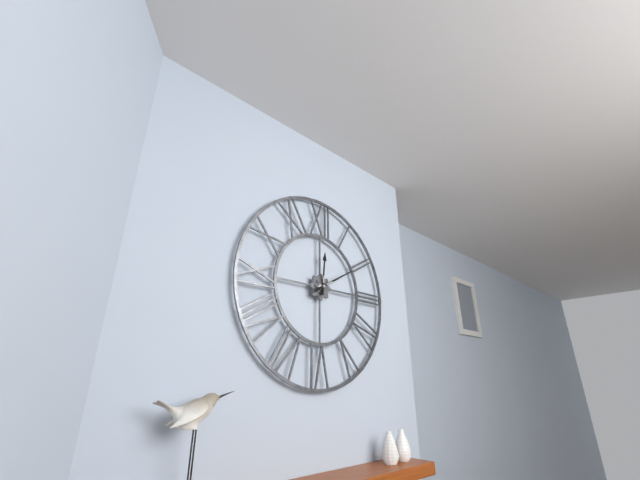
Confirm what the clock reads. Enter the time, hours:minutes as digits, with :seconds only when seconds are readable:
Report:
12:10
